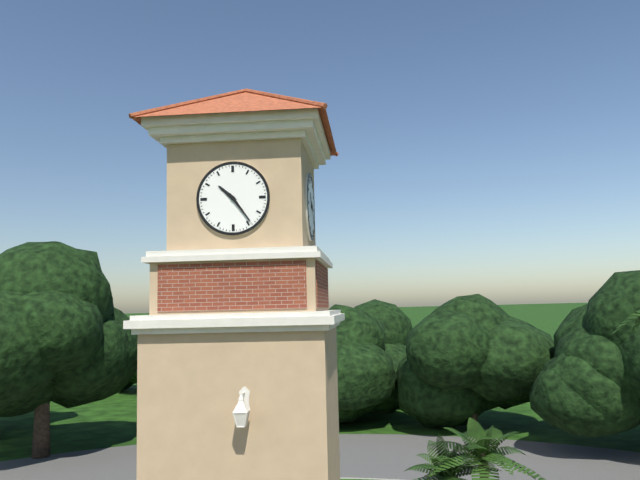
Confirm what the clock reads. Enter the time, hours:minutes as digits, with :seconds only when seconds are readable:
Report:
10:24
